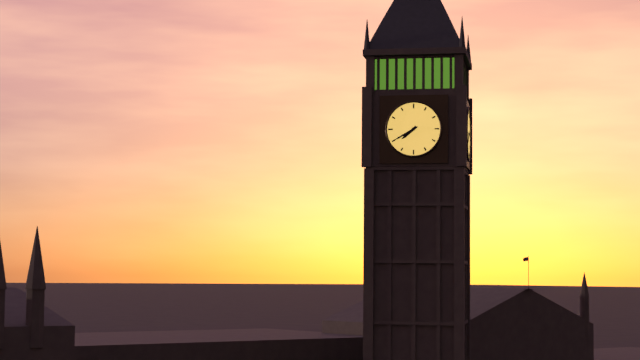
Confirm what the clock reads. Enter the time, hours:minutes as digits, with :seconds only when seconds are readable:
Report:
7:40
